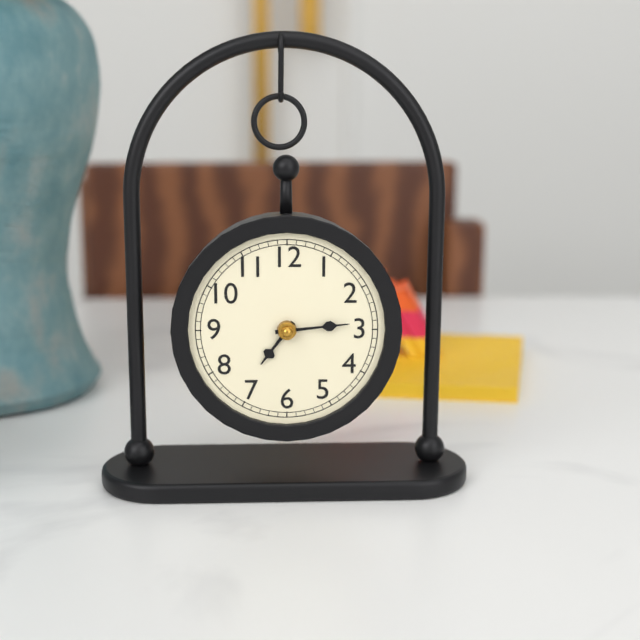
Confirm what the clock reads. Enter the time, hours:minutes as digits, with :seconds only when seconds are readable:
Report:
7:14
